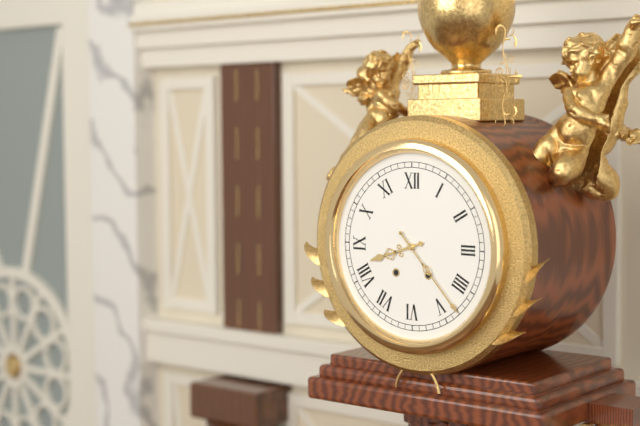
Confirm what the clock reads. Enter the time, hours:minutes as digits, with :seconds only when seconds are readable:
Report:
8:23
